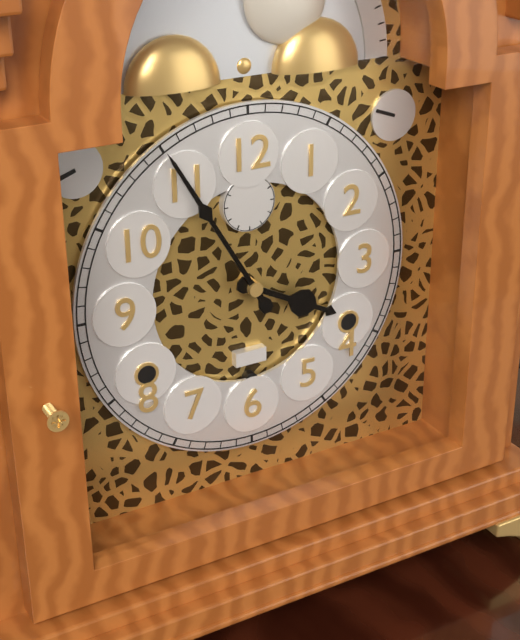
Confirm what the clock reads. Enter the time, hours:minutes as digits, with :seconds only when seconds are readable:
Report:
3:55
